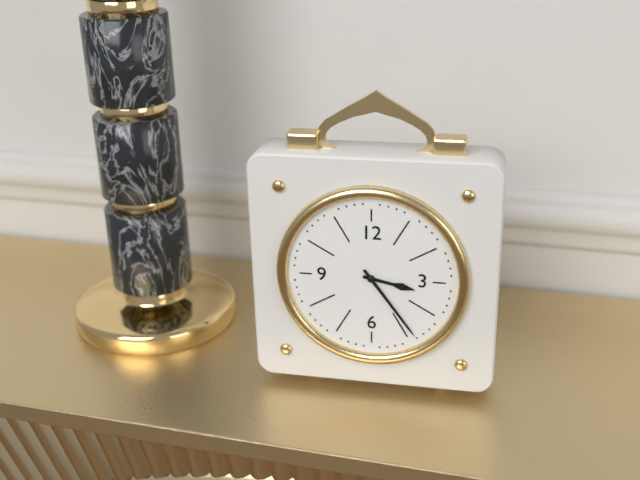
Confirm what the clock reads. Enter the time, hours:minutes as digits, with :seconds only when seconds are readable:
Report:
3:24
